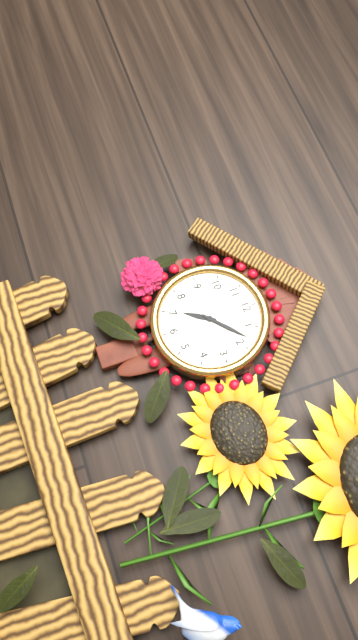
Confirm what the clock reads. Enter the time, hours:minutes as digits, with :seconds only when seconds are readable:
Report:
7:08
